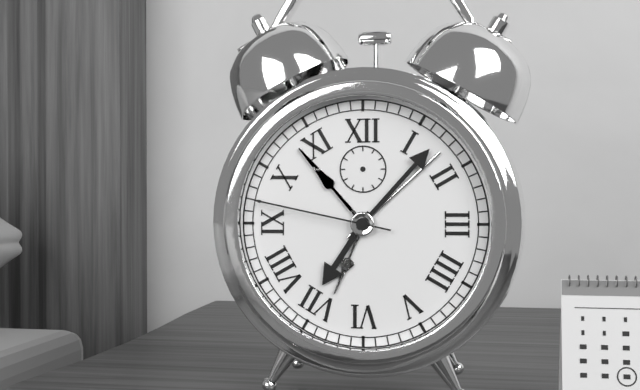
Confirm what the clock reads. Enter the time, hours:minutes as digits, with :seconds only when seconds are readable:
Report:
7:07:47
